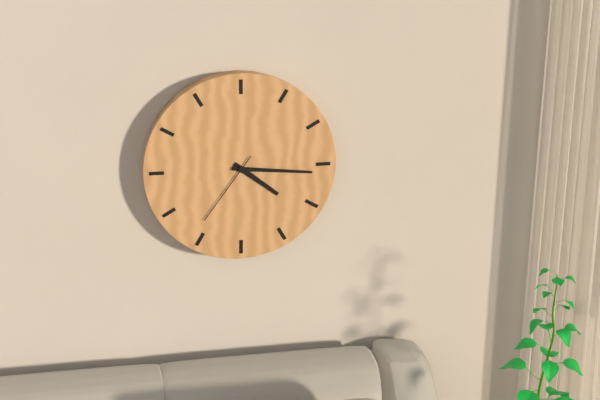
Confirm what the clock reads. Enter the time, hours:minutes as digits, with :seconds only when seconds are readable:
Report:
4:16:36
